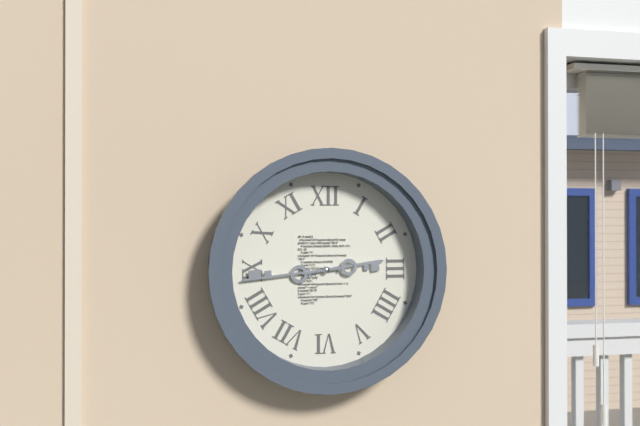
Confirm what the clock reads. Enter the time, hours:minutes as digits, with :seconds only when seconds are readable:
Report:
2:44
